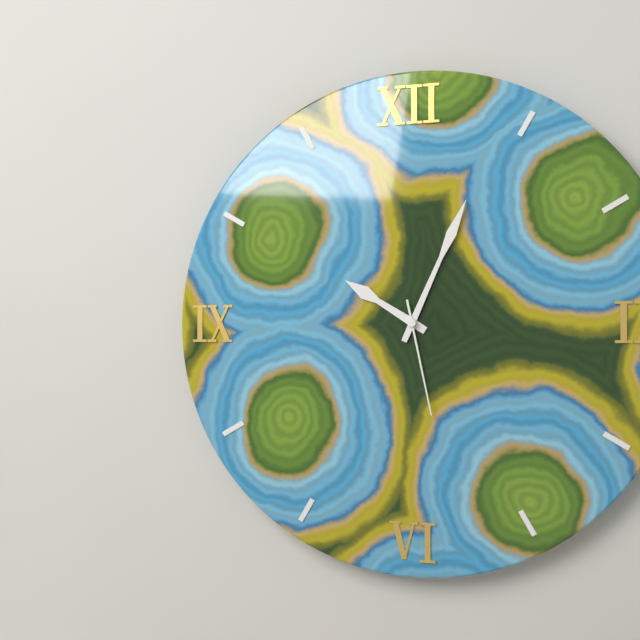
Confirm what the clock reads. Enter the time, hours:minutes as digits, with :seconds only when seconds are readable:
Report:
10:04:28
